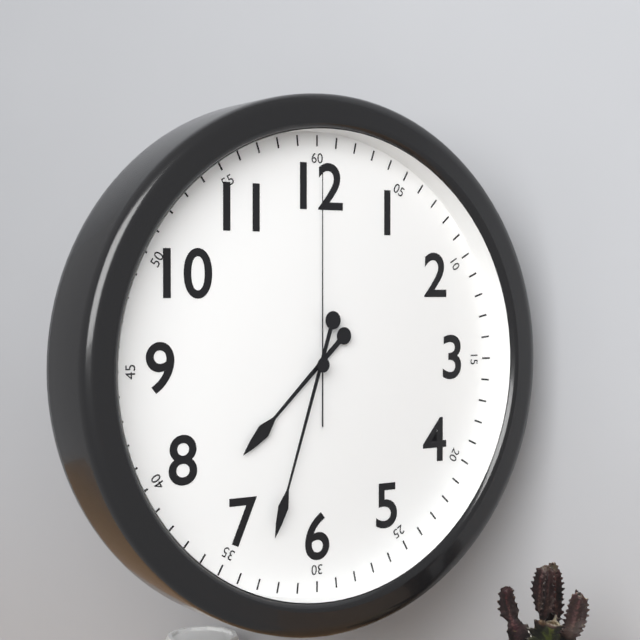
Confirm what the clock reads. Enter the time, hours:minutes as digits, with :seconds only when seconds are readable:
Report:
7:33:00
